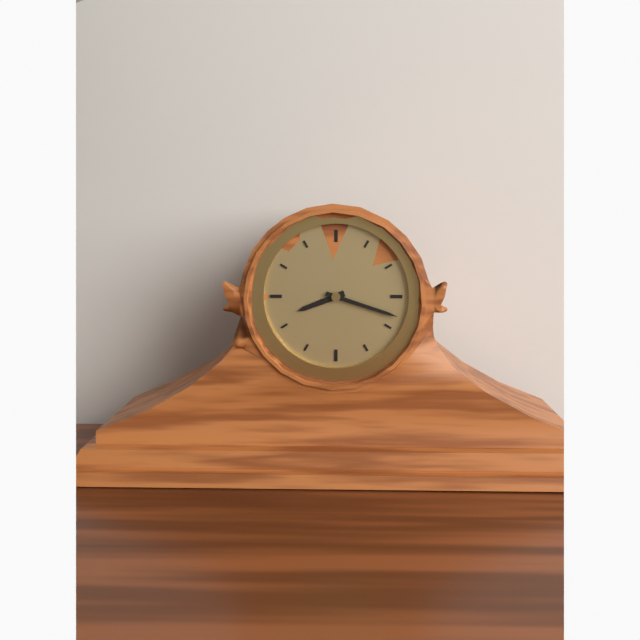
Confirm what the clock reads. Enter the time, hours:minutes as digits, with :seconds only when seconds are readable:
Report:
8:18
